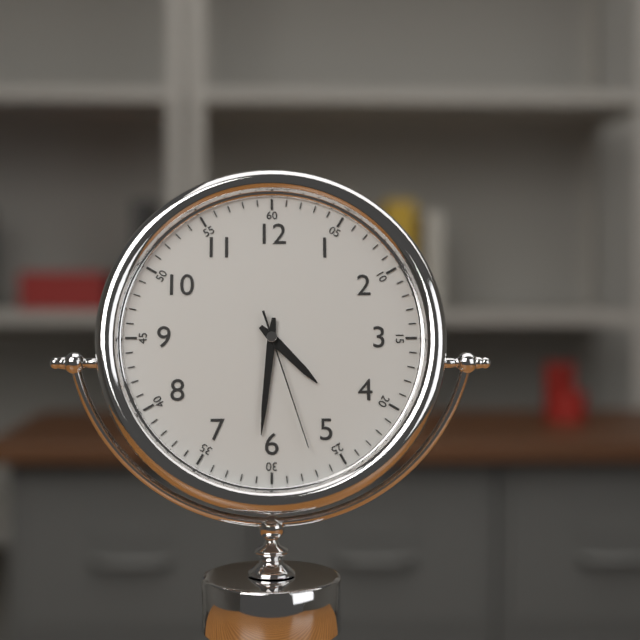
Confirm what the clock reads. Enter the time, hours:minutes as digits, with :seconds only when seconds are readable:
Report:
4:31:27
